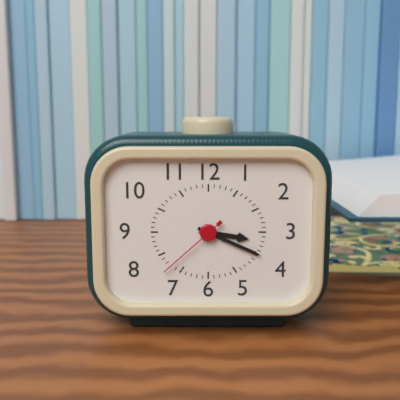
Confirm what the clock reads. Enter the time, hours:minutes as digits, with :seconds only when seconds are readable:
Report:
3:19:38
